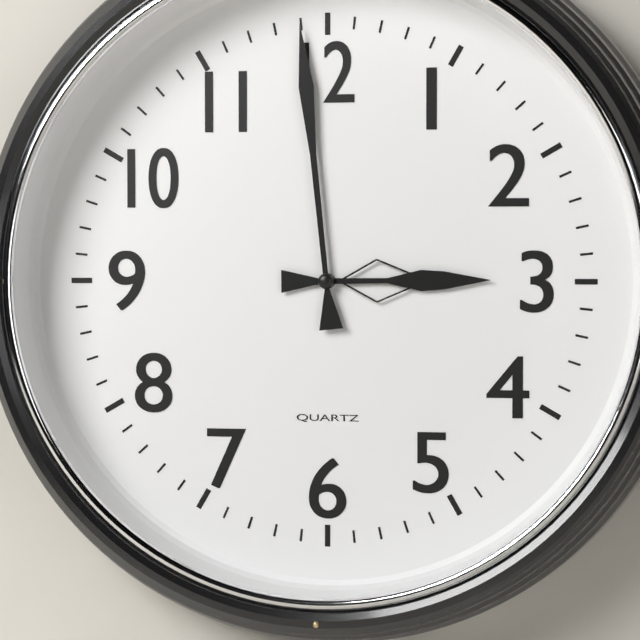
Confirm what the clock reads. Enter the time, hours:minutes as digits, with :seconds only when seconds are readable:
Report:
2:59
